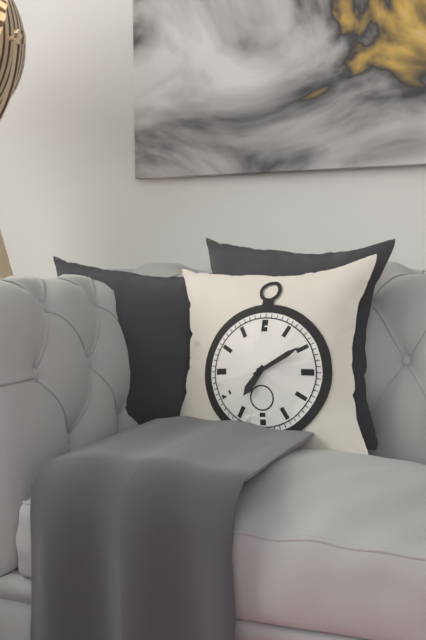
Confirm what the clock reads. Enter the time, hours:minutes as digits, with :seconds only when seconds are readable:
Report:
7:10
